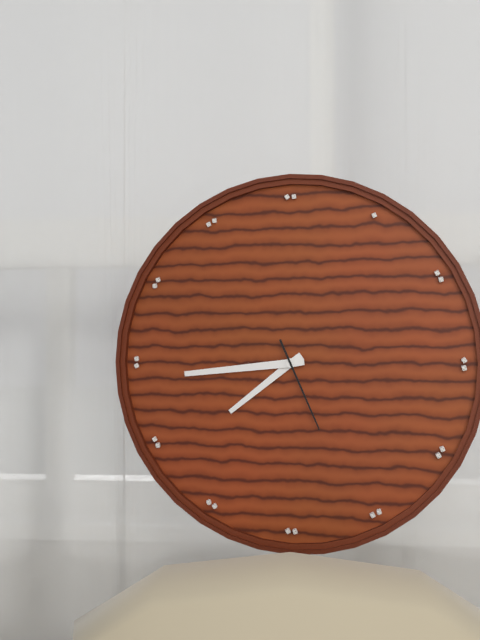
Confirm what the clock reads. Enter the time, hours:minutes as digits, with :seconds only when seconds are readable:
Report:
7:44:26
